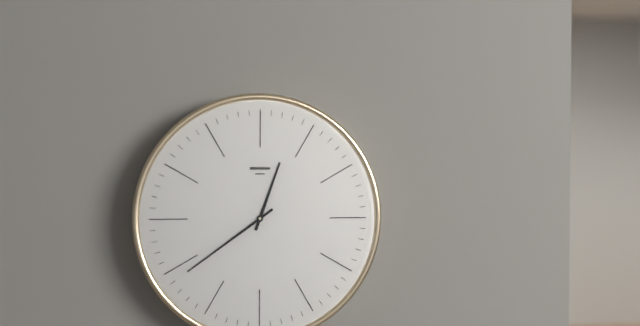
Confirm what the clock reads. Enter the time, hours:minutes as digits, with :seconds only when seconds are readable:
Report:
12:39
